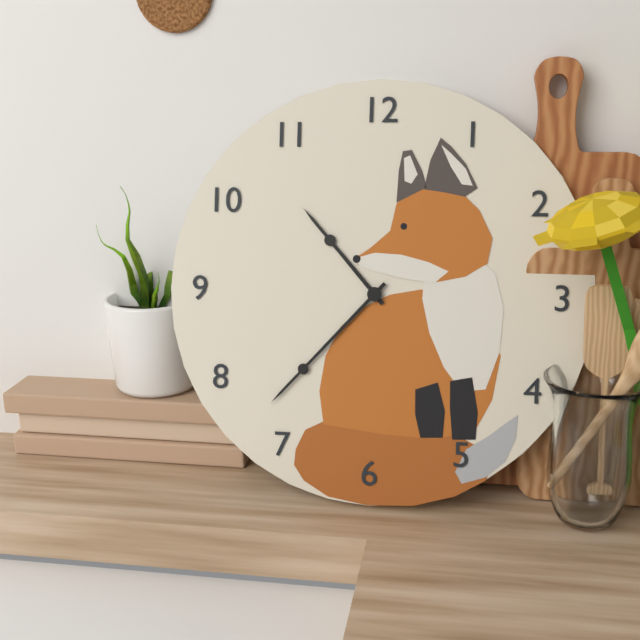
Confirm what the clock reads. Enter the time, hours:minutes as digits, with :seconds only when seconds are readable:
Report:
10:37
